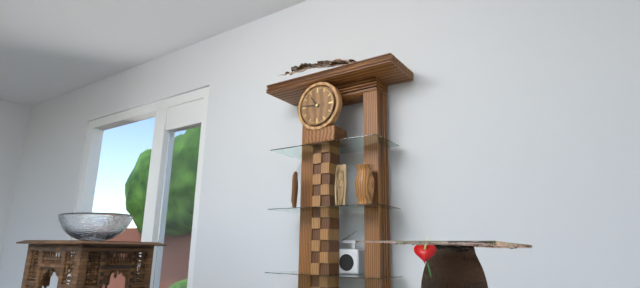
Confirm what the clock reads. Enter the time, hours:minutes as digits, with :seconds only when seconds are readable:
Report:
10:46
